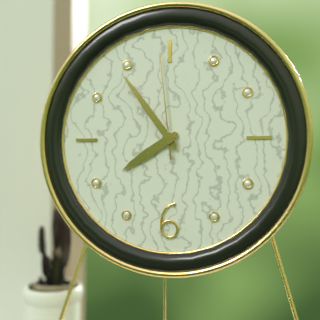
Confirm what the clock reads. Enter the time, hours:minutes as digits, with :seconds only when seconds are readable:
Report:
7:54:59
